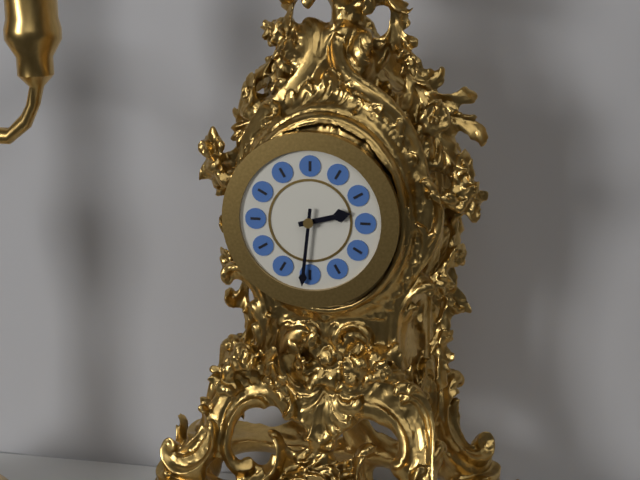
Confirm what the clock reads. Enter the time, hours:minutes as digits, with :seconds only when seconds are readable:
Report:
2:31
